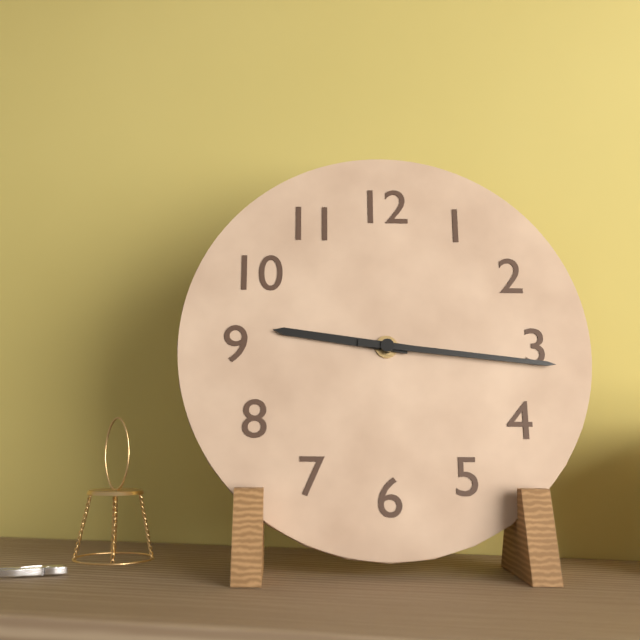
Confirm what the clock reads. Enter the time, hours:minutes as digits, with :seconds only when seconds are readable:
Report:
9:16
